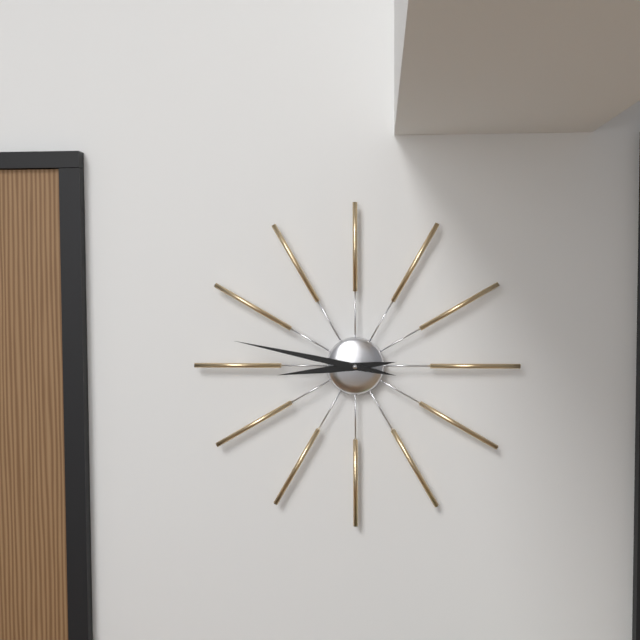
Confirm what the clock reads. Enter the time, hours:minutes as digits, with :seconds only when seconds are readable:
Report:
8:47
